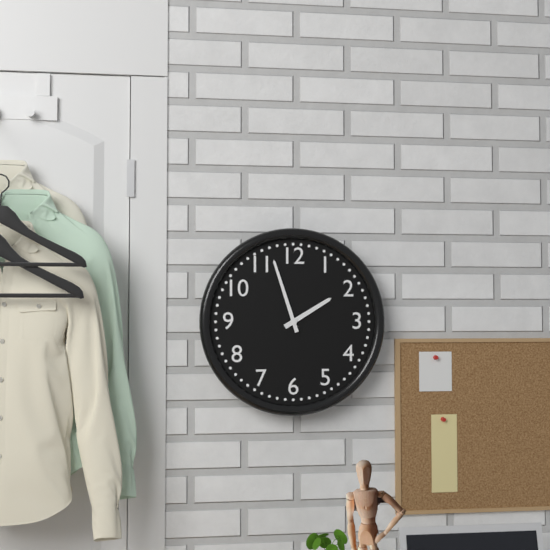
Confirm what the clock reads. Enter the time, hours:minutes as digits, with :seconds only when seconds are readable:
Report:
1:57
